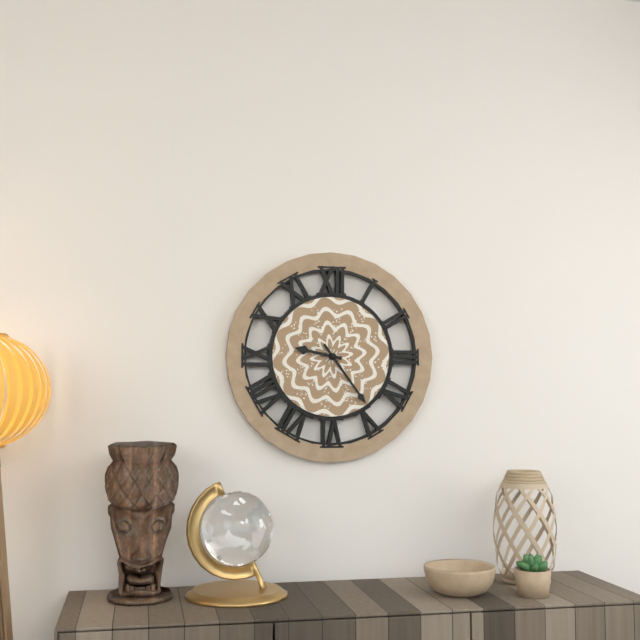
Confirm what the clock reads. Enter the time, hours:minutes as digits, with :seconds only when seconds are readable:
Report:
9:24
